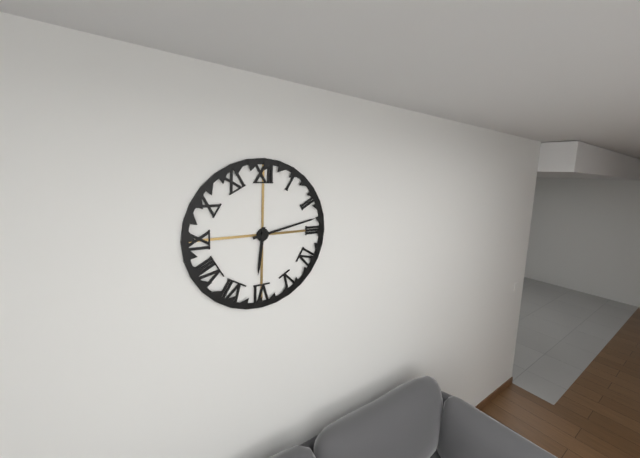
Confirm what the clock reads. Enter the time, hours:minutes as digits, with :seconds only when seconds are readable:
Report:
6:13
